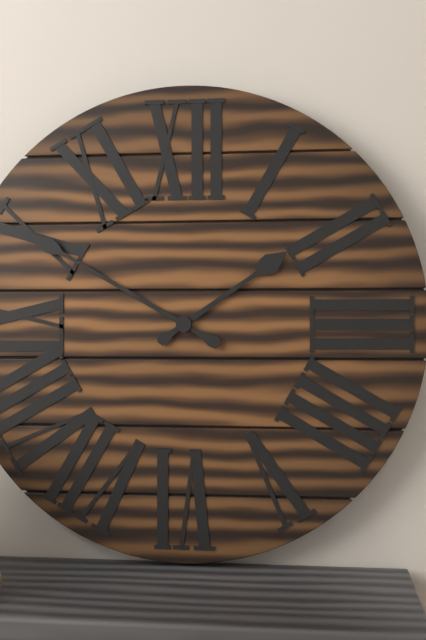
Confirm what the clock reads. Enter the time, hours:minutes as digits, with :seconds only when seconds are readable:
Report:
1:50
